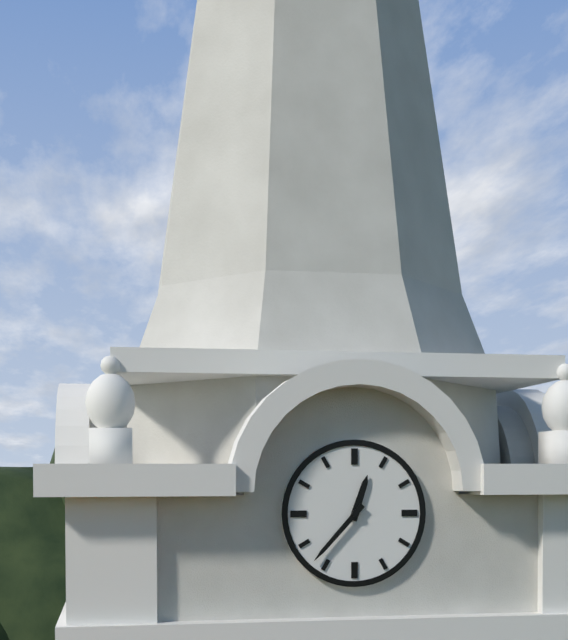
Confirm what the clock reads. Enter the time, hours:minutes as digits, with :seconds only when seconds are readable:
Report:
12:37
